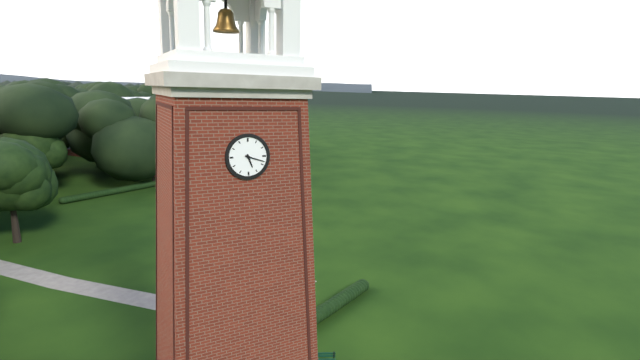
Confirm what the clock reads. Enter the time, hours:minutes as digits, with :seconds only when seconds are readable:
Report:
5:18
